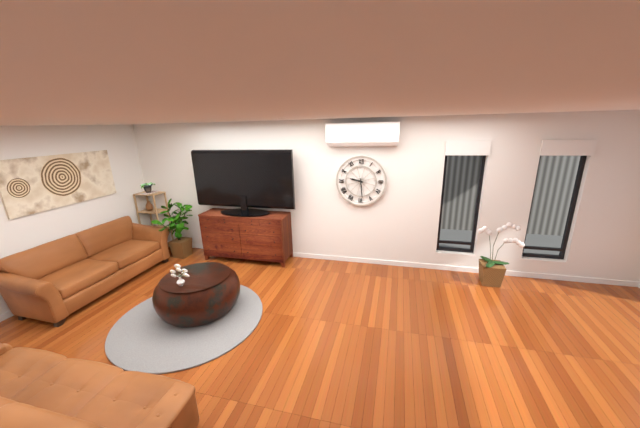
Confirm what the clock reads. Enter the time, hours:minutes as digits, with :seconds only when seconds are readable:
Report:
9:29
